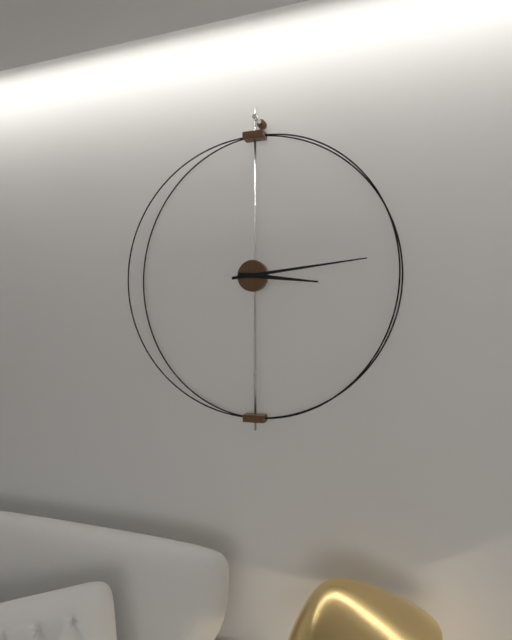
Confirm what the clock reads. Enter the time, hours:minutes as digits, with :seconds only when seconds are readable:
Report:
3:14
